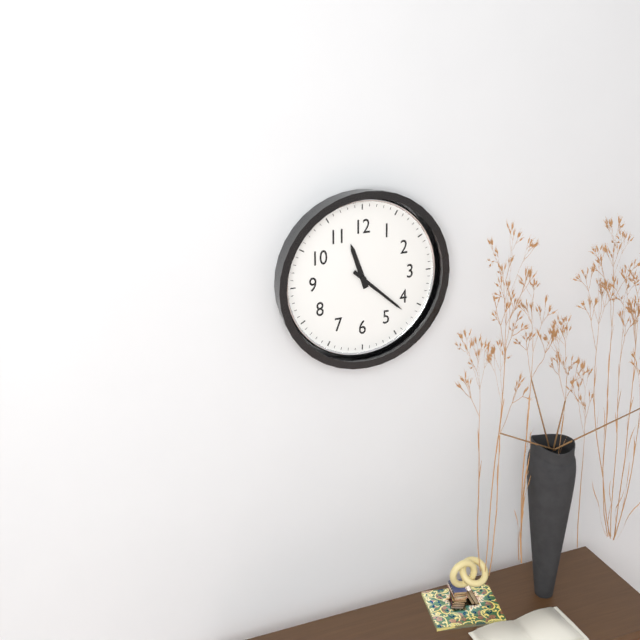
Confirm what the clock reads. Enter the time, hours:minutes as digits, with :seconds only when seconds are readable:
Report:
11:22
